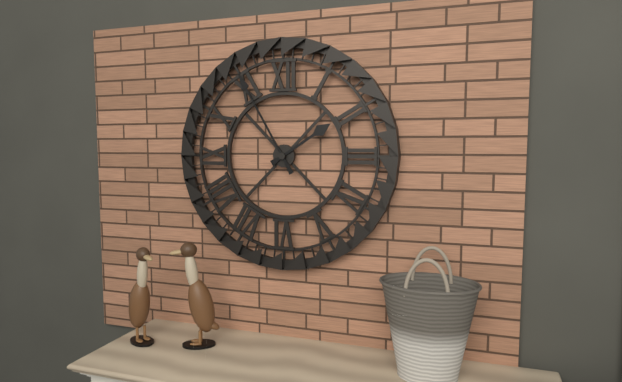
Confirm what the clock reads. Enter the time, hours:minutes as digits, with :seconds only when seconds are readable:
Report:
1:55
